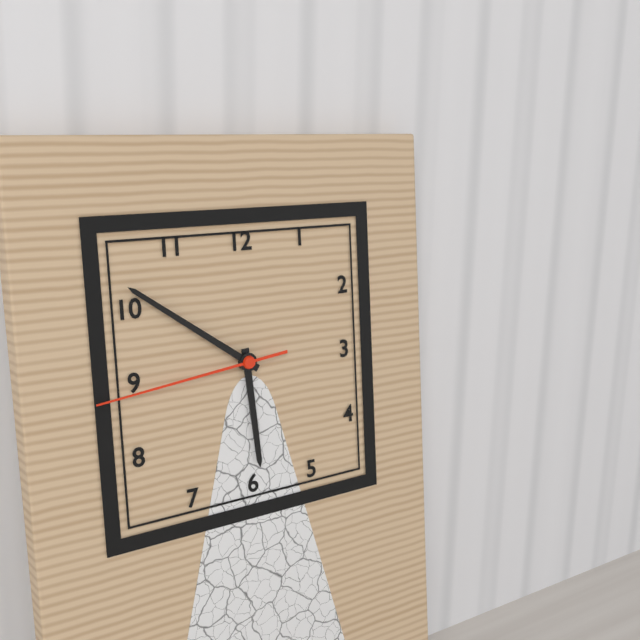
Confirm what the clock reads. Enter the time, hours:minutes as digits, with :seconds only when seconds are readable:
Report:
5:51:44
